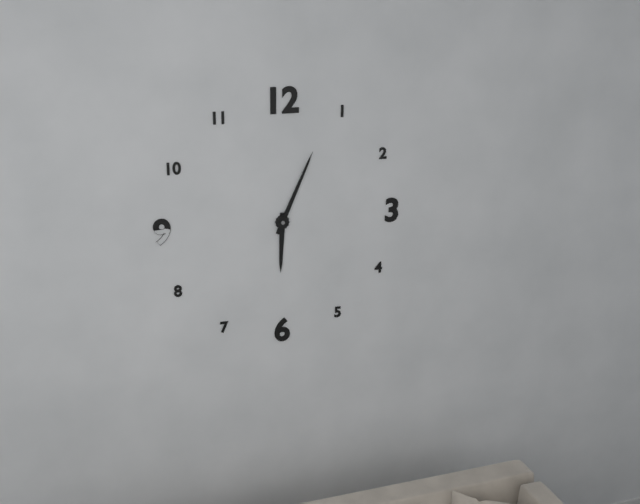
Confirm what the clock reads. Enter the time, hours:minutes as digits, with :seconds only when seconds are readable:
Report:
6:04
